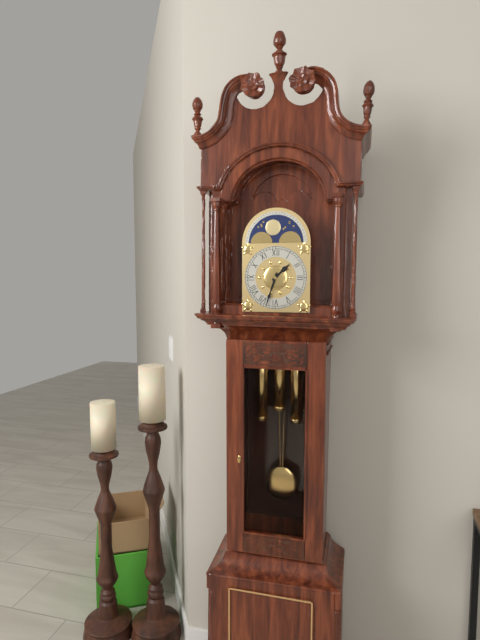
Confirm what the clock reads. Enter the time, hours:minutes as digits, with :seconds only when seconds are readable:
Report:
1:33
